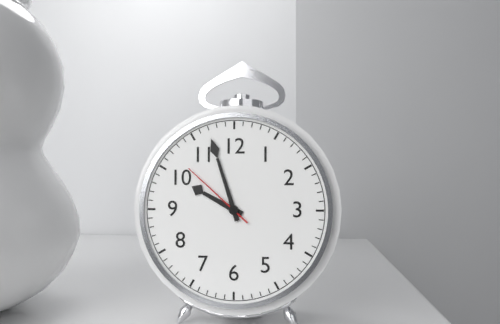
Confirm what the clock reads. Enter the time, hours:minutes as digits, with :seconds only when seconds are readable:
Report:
9:57:52
